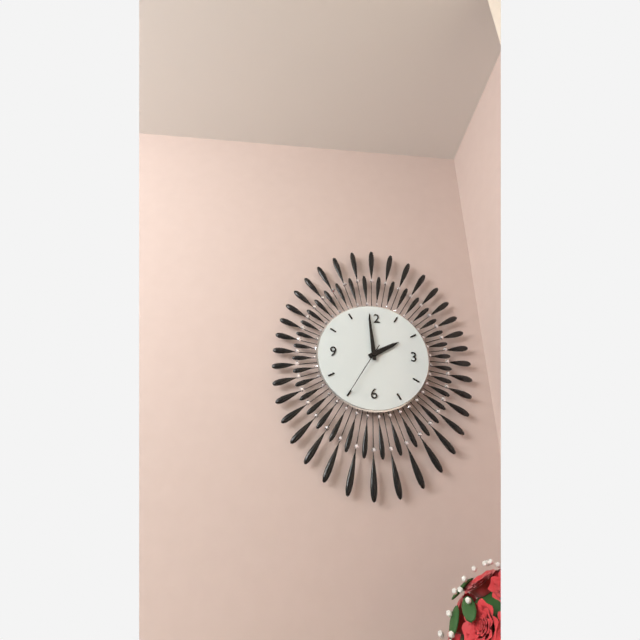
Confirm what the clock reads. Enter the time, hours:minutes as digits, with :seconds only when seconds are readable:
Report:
1:59:35
